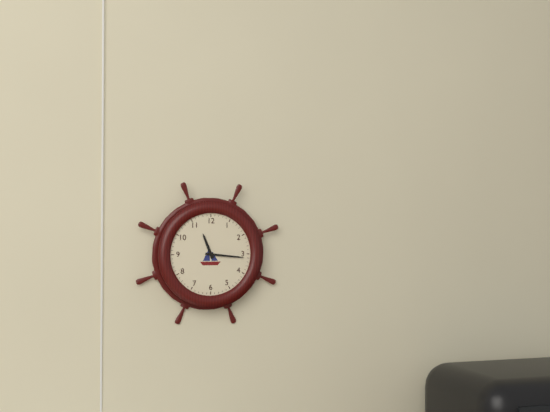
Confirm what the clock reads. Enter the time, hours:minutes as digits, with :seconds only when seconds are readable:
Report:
11:16
